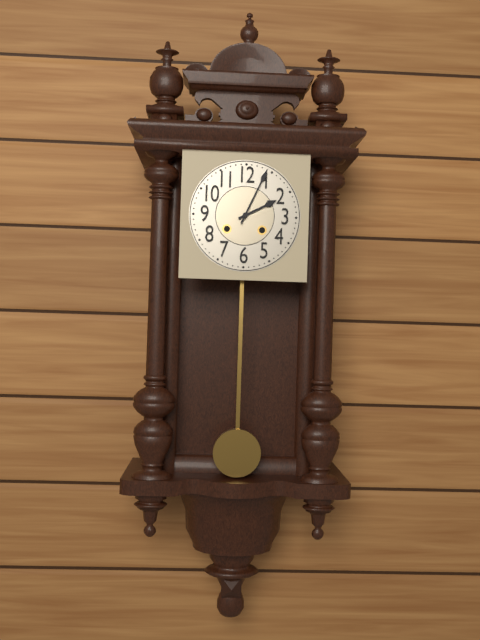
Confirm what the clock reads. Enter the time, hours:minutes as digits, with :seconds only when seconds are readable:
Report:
2:04
